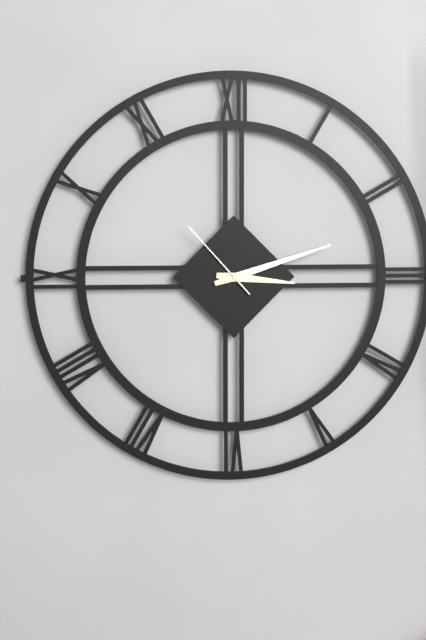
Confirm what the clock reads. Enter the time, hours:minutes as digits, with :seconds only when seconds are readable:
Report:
3:12:53
